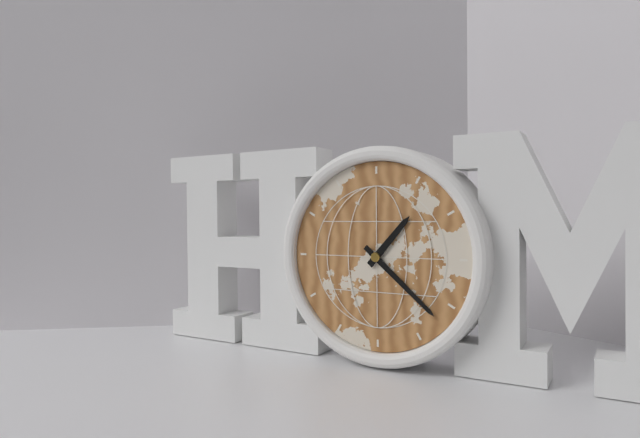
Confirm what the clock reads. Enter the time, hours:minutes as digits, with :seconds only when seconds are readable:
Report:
1:22
